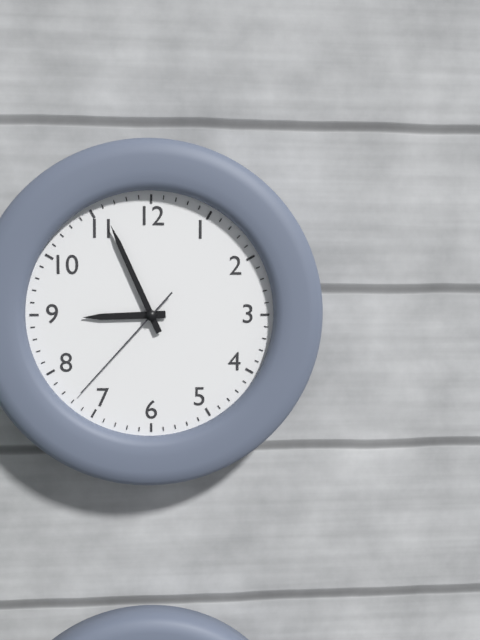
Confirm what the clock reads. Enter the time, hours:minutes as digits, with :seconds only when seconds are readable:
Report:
8:56:37
